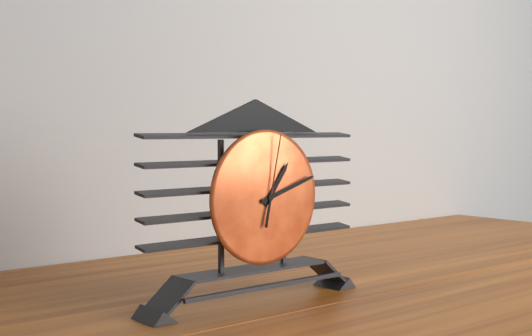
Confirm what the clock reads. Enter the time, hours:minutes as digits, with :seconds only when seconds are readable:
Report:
1:12:02
